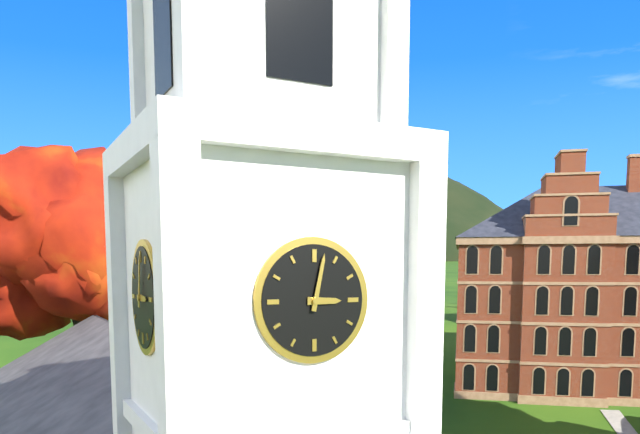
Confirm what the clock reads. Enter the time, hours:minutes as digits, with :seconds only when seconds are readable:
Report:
3:02
